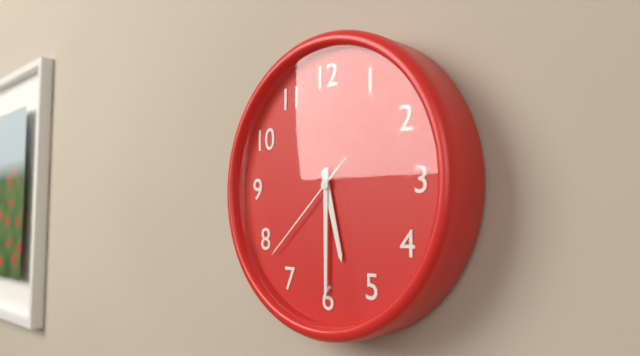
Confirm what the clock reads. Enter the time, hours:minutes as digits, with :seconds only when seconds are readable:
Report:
5:30:38
